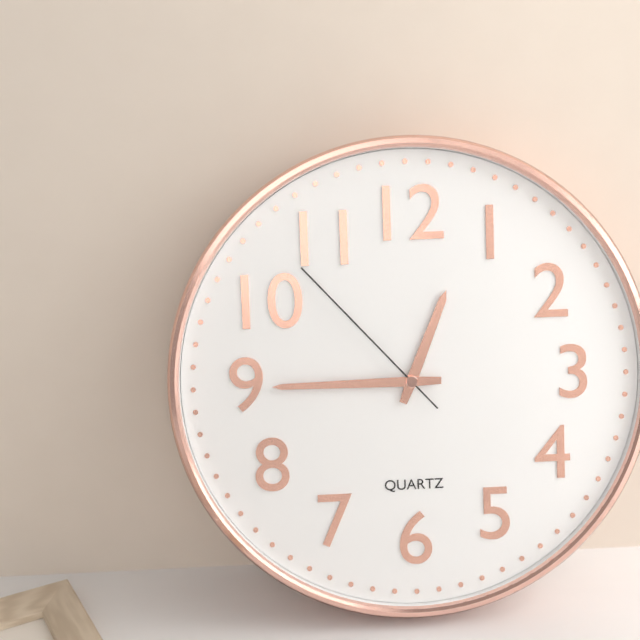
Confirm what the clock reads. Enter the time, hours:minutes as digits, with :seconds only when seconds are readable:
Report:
12:45:53
